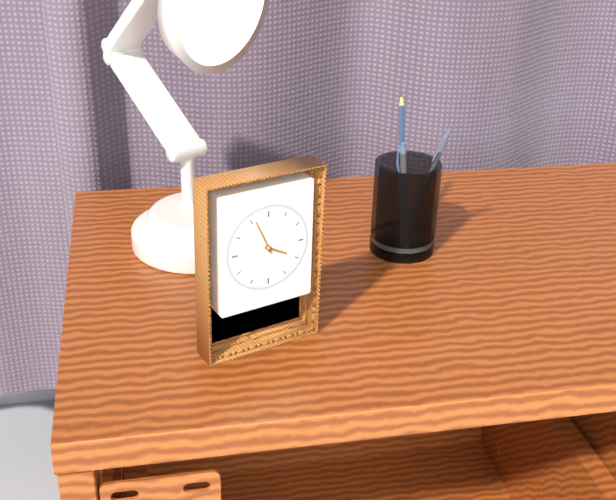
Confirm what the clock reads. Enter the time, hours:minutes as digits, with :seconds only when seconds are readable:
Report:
3:56
